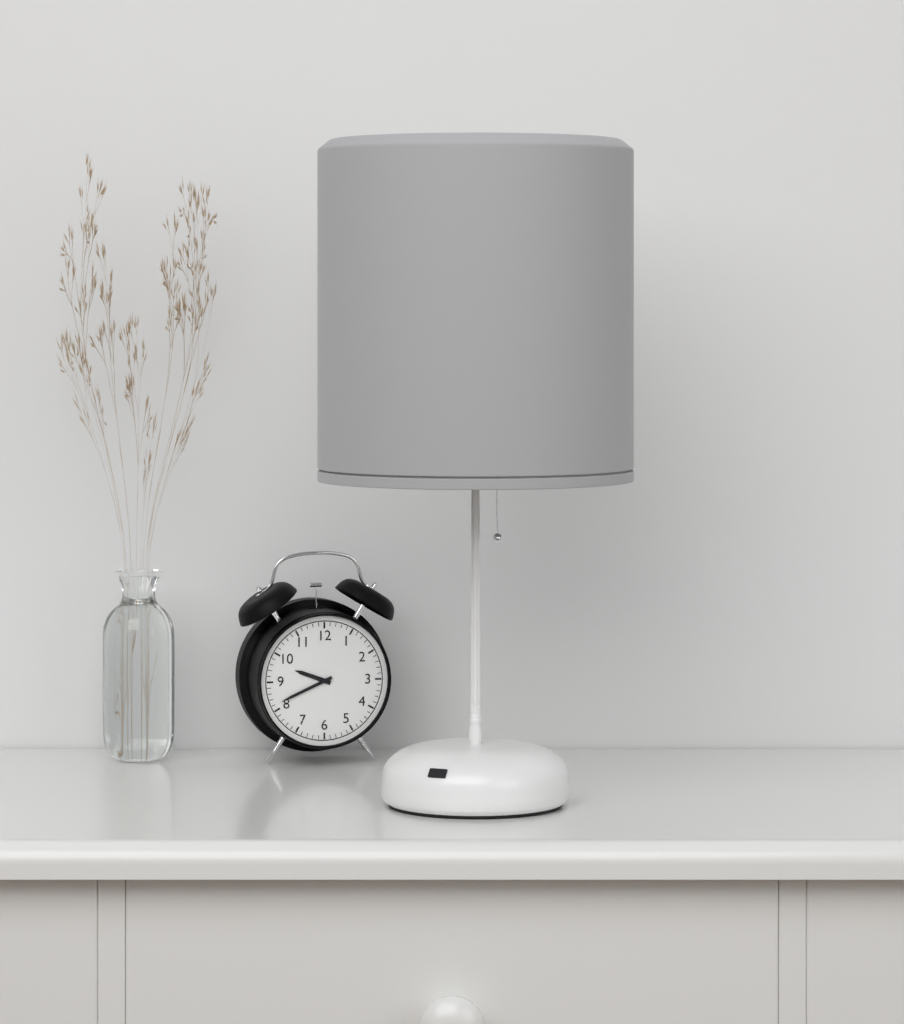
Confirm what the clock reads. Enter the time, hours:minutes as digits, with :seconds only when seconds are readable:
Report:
9:41
